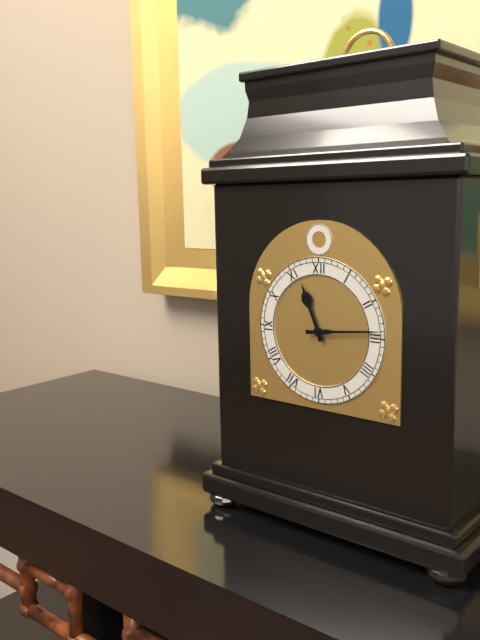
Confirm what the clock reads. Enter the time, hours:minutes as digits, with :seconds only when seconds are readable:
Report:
11:14
